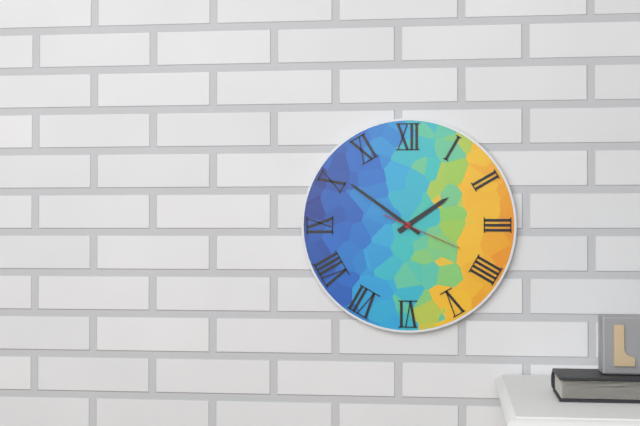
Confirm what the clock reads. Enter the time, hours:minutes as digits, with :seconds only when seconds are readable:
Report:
1:51:19
